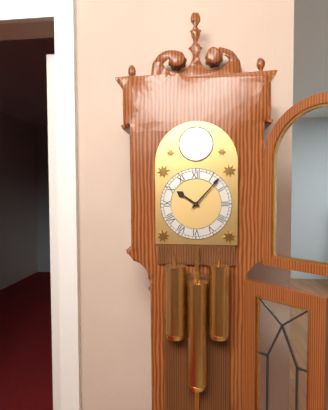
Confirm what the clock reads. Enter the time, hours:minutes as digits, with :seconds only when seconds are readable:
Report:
10:07
